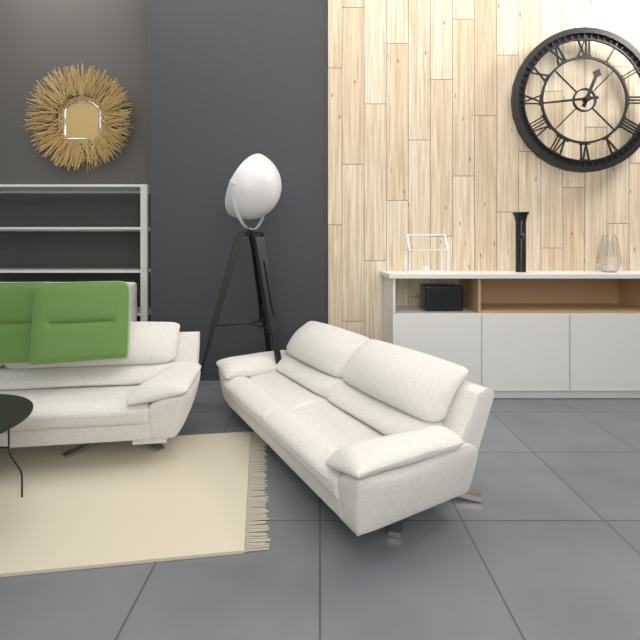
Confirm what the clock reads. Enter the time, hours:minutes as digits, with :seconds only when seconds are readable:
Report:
12:44
